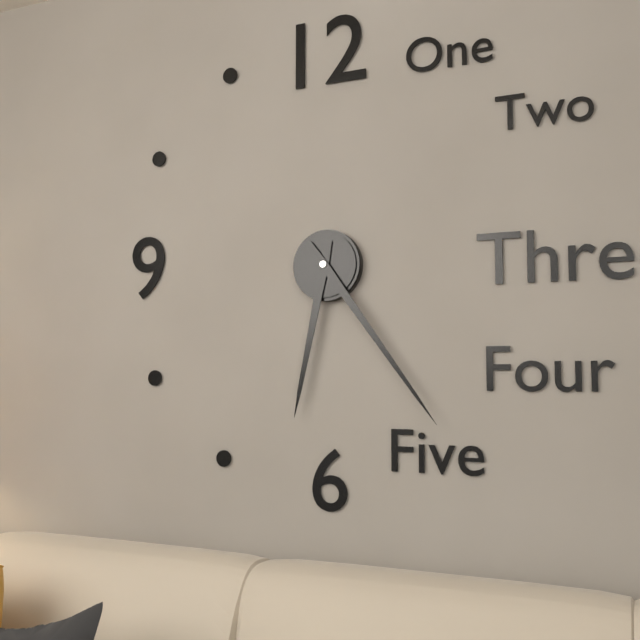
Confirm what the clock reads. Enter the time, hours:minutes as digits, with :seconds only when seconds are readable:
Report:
6:24
